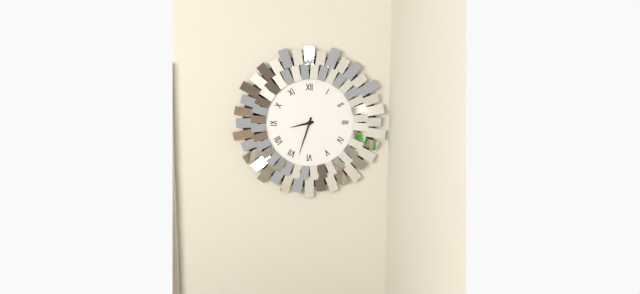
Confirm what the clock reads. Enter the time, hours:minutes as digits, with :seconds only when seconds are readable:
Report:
8:33
